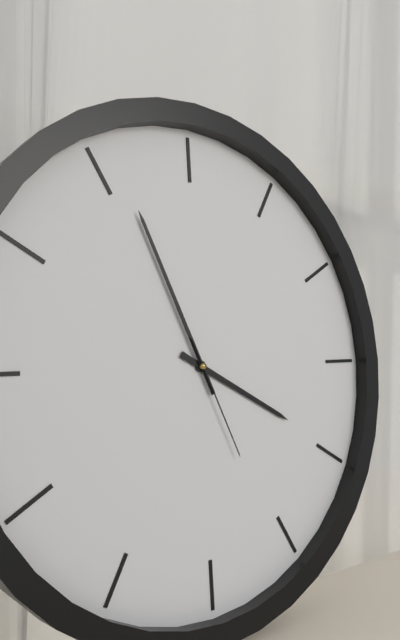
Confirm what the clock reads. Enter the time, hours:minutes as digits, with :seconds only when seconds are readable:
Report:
3:56:26
